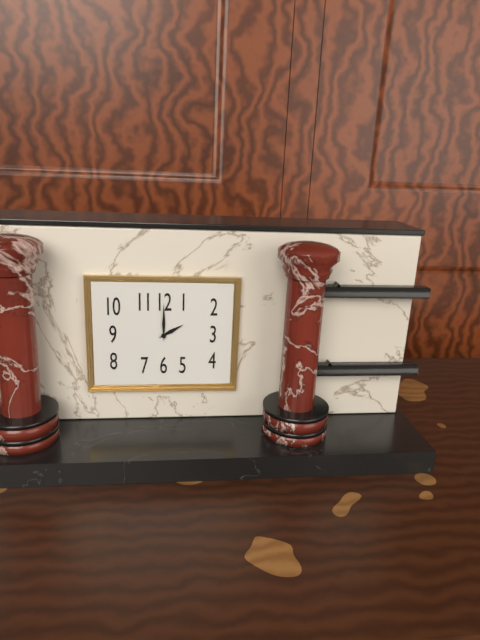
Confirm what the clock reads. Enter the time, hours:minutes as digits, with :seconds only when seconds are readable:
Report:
2:00
